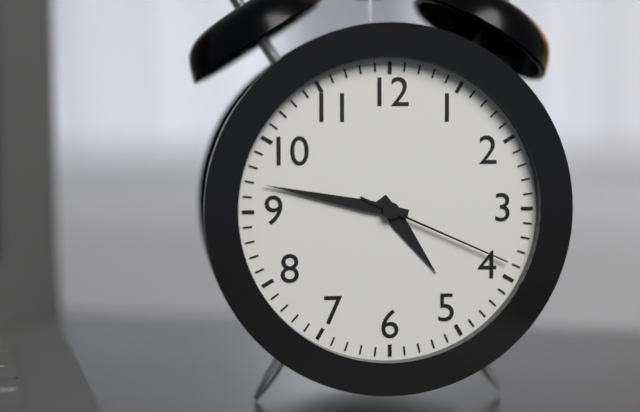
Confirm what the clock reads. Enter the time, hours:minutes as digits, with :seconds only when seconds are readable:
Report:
4:47:19
